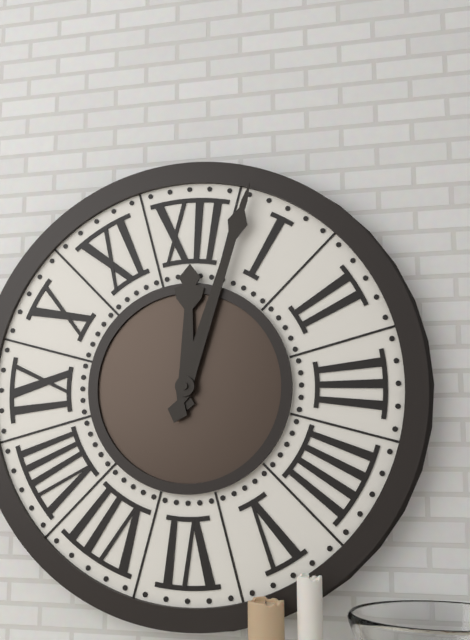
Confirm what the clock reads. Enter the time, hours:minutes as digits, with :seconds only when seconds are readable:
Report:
12:03
